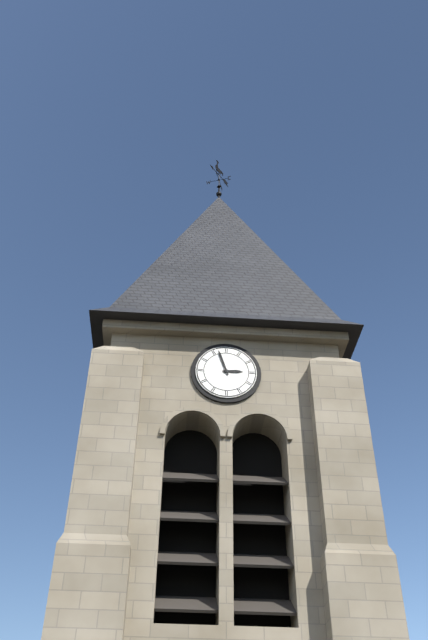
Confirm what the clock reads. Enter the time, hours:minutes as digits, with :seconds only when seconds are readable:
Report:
2:57
